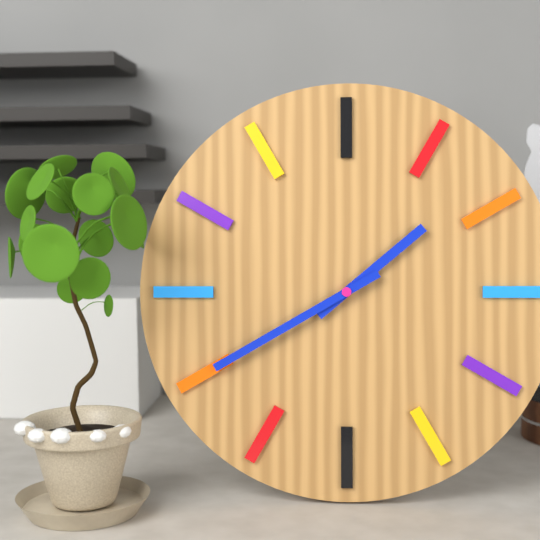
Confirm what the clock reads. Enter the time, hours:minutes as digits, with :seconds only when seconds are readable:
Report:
1:40
